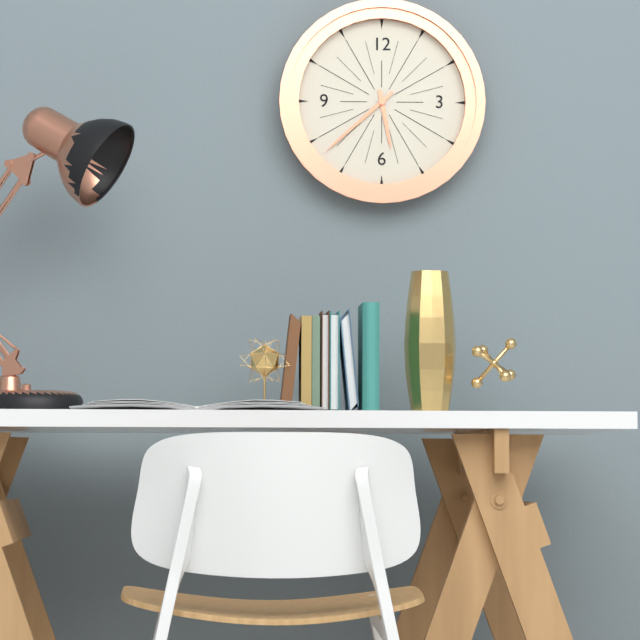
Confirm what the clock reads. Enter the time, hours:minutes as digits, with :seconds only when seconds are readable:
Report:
5:38
